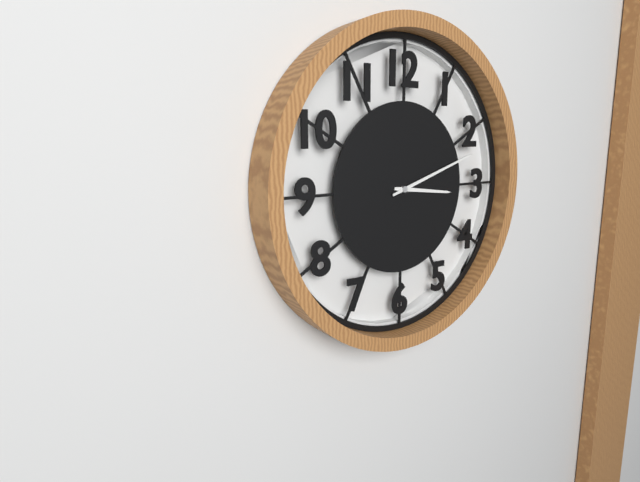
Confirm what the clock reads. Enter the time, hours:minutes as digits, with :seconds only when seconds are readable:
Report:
3:12
